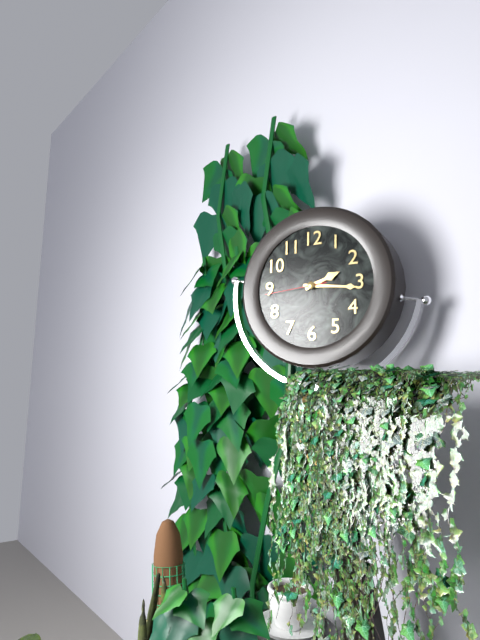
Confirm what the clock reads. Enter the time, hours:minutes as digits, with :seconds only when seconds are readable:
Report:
2:16:44
